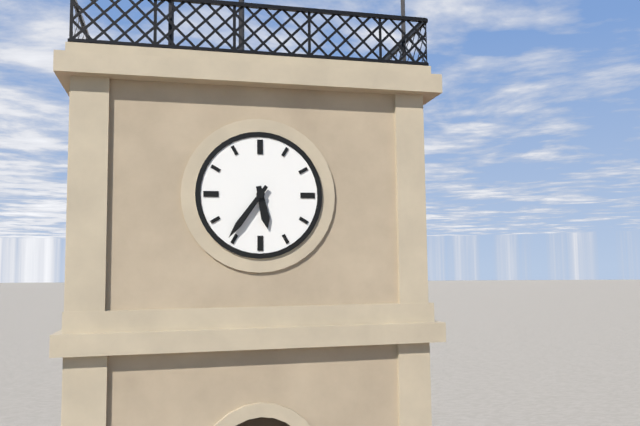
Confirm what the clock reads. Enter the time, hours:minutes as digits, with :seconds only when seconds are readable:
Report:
5:36
